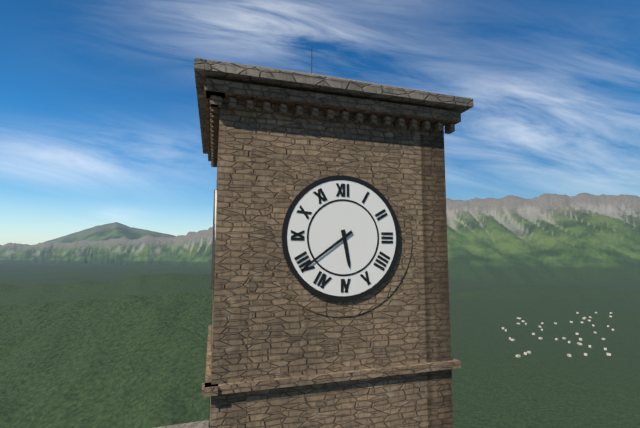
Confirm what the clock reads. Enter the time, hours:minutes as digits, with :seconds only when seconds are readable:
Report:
5:39
